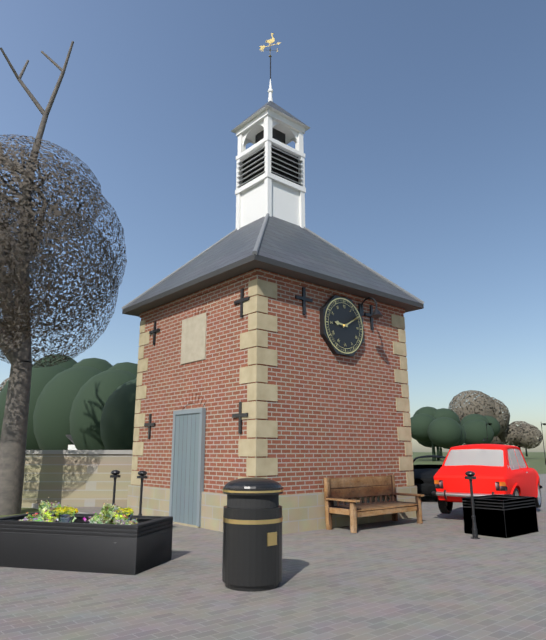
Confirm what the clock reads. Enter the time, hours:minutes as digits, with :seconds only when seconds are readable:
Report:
9:10
